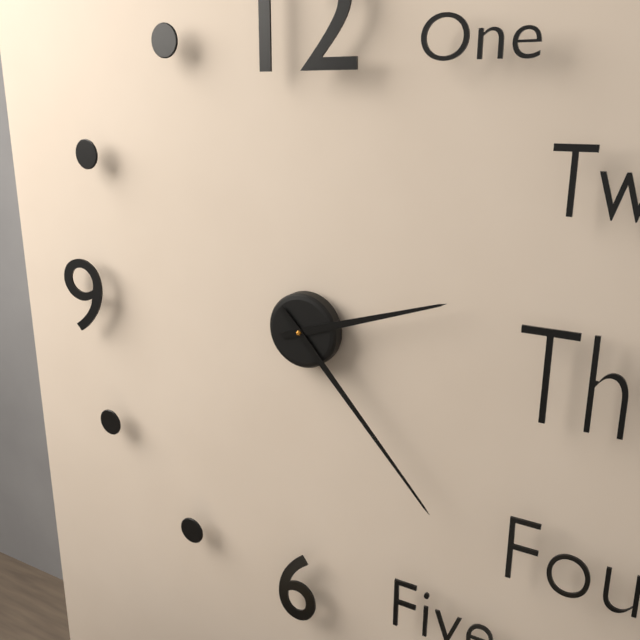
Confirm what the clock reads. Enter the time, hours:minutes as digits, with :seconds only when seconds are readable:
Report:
2:23
